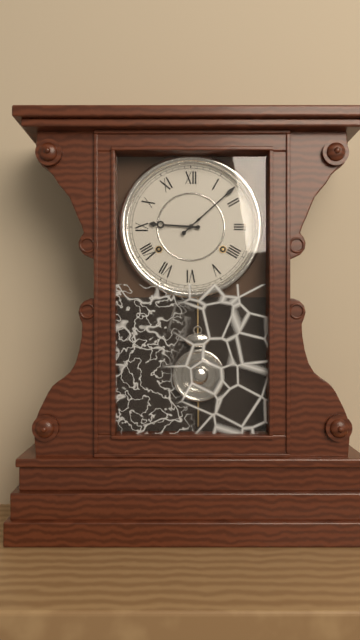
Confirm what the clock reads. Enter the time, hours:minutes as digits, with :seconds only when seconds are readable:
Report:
9:08
